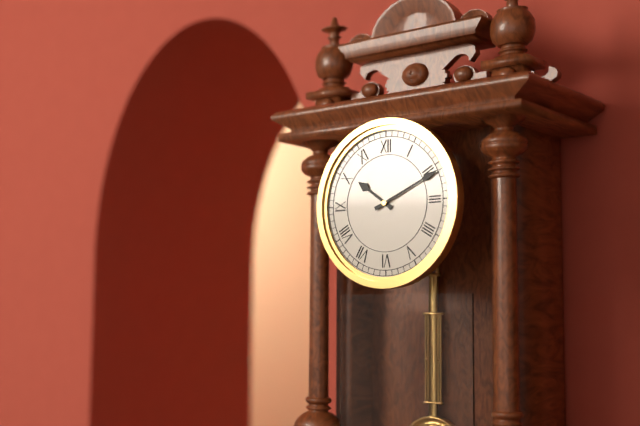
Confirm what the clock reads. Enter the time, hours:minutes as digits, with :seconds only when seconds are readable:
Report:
10:11
